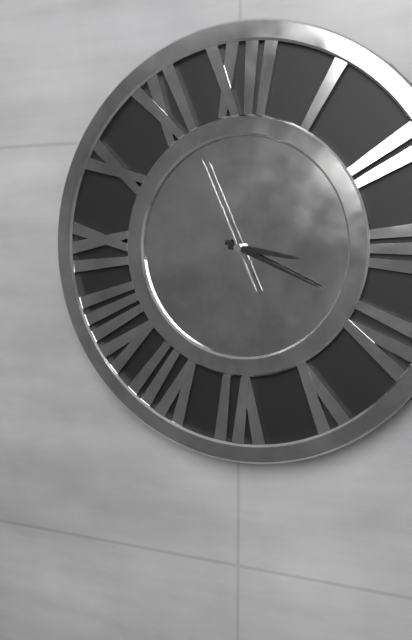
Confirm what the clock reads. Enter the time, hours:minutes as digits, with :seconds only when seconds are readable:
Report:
3:19:56
